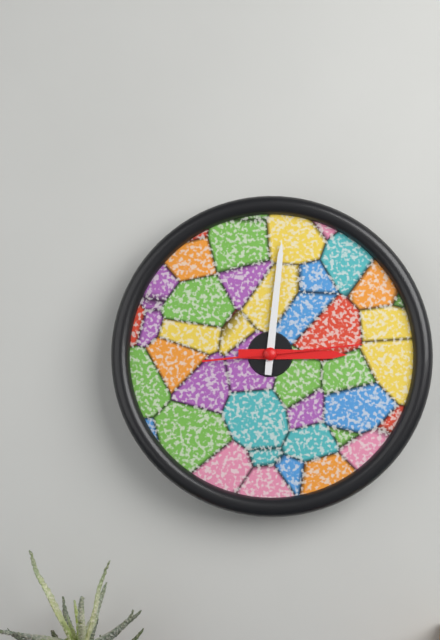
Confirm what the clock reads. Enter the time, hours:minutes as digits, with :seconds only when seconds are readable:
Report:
3:01:14
